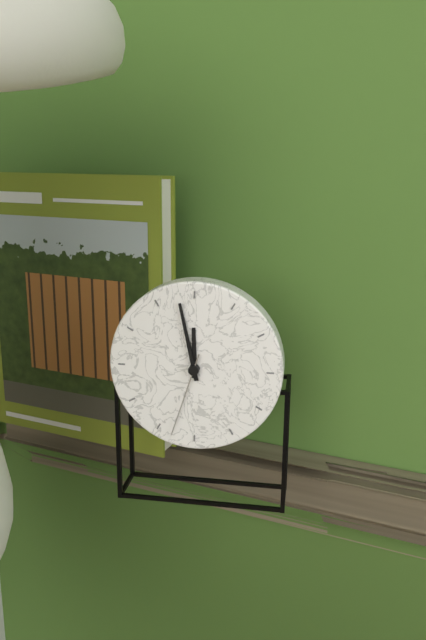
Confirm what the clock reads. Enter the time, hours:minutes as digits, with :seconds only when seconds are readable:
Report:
11:58:33
